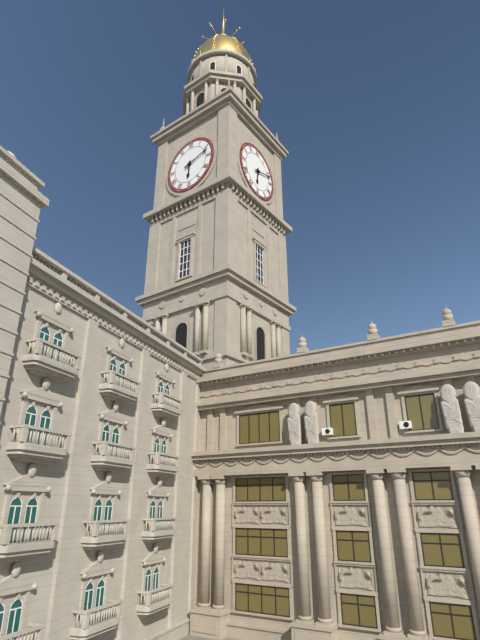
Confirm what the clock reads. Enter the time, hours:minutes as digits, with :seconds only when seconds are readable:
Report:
6:12
